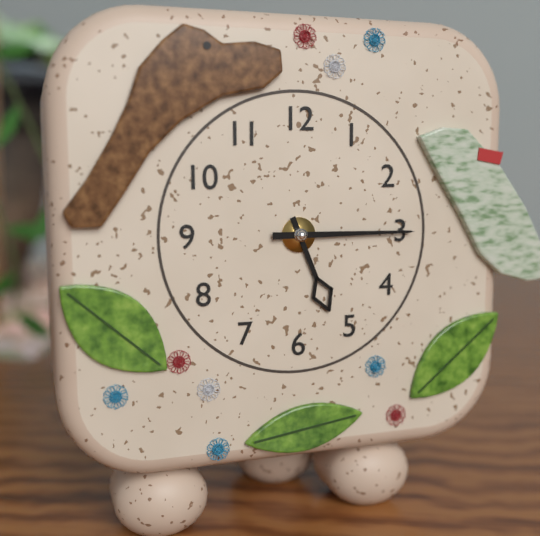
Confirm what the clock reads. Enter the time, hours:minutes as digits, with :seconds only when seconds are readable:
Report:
5:15
